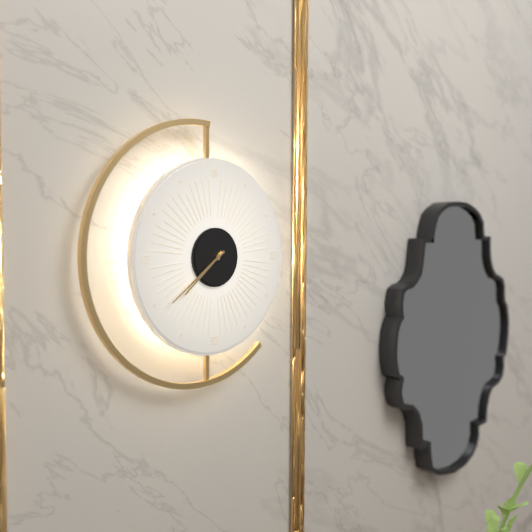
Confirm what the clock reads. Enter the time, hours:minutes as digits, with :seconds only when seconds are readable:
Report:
7:39
